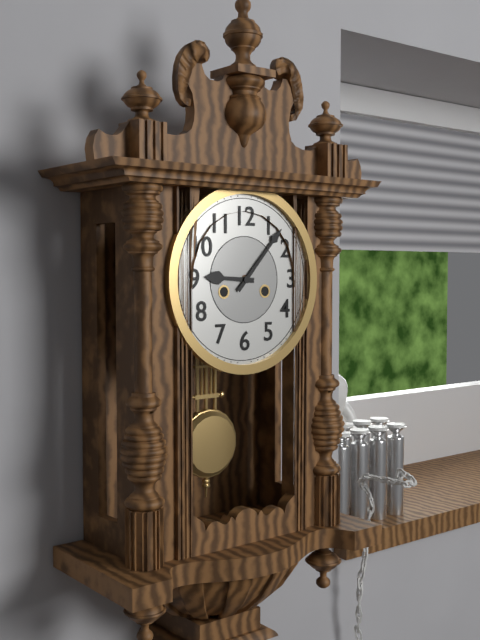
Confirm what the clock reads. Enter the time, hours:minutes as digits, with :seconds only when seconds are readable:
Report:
9:07
